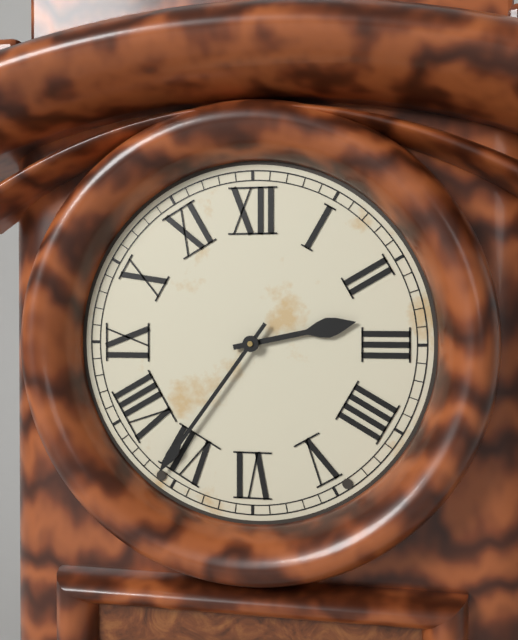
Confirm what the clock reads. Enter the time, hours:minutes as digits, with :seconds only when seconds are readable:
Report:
2:36
